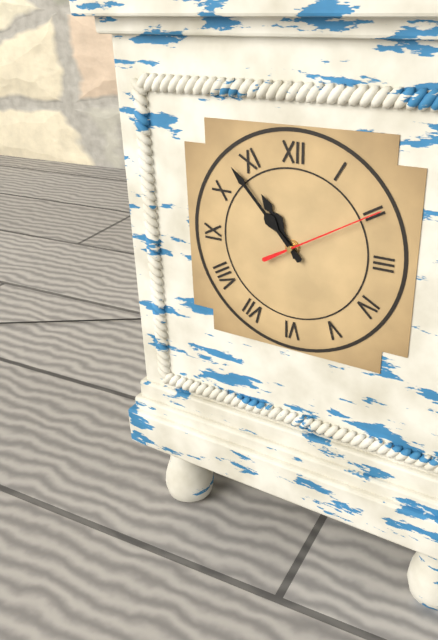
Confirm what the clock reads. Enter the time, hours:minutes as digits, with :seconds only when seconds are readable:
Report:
10:53:10
